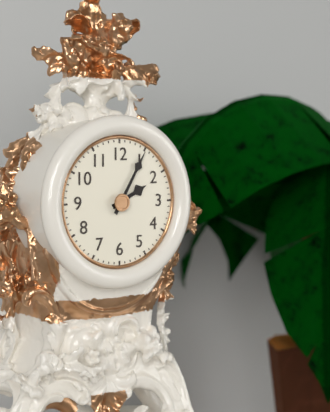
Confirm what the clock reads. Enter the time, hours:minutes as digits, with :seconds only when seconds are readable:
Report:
2:05
